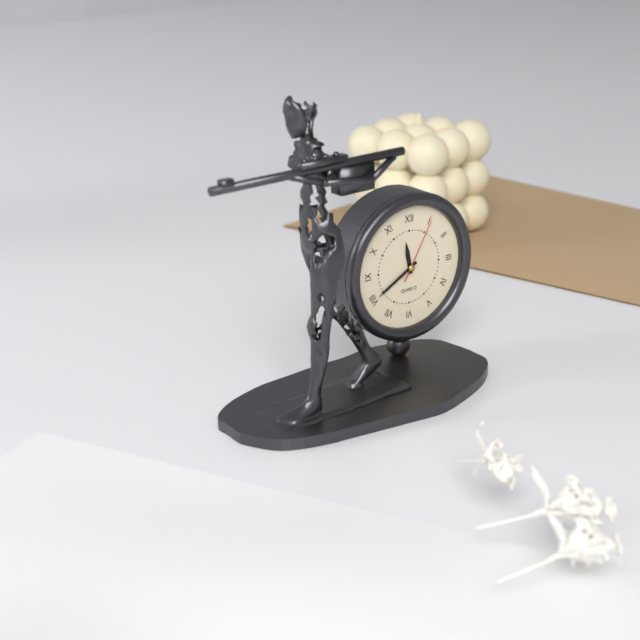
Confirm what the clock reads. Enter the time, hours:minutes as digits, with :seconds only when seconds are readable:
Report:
11:40:05
